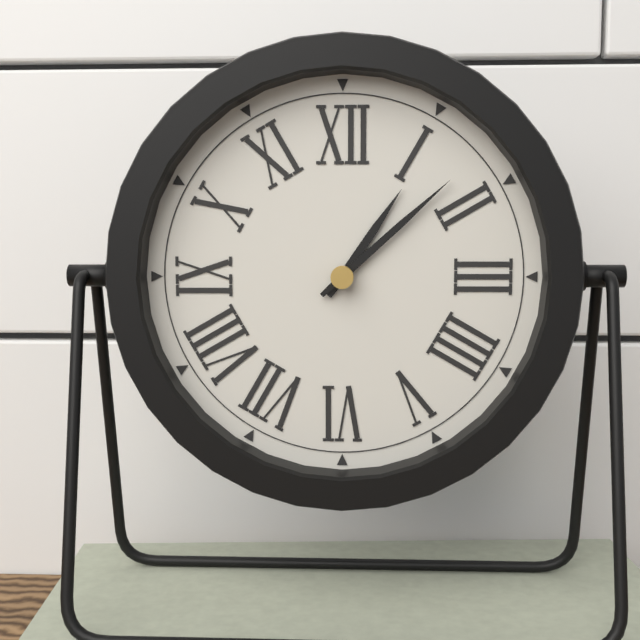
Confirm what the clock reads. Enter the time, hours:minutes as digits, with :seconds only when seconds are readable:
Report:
1:08
